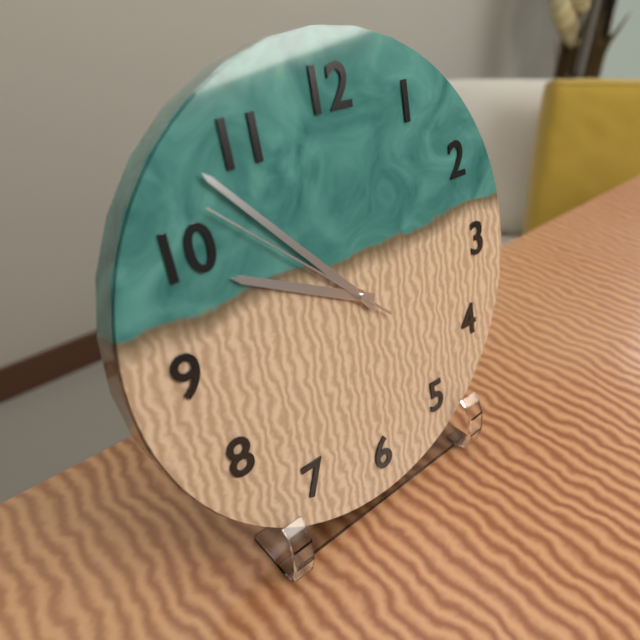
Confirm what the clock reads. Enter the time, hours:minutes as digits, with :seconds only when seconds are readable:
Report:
9:53:52
